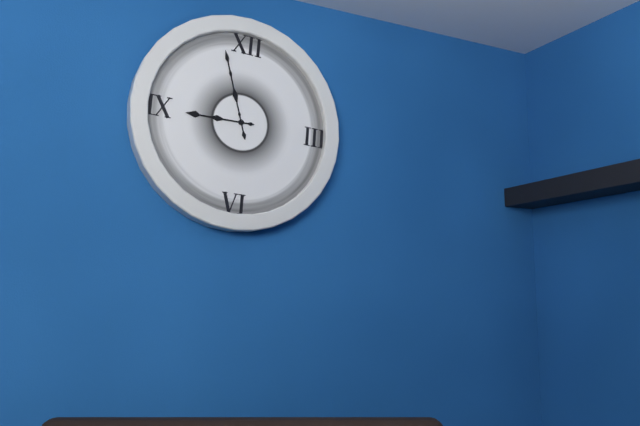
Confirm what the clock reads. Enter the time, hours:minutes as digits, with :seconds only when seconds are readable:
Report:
8:57
